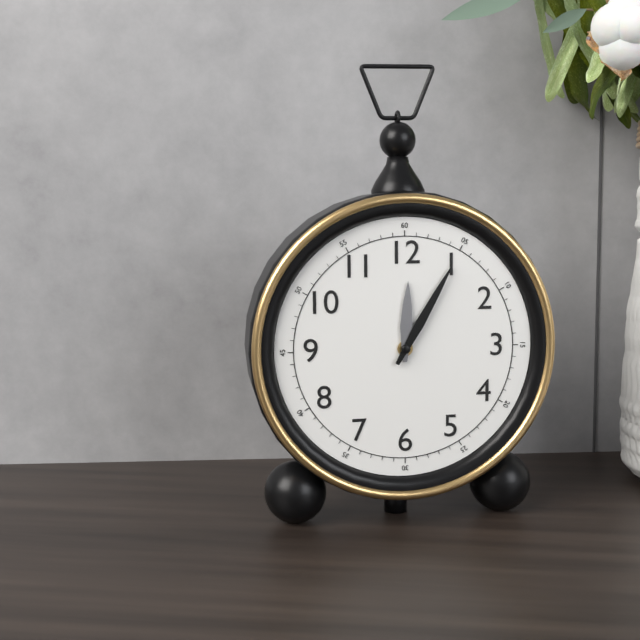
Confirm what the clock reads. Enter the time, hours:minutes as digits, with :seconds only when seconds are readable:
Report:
12:05
